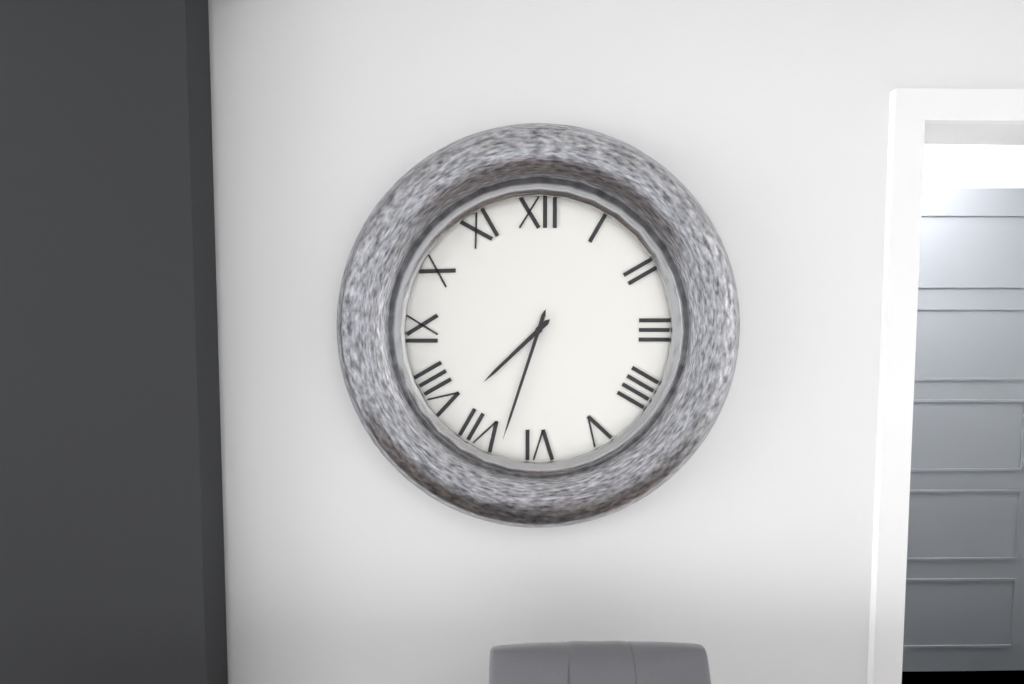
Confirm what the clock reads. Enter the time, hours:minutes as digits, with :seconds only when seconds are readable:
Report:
7:33
